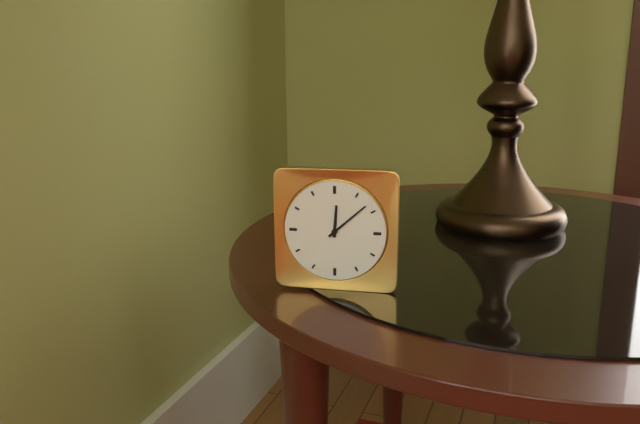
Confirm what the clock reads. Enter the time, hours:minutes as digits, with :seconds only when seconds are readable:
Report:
12:08
